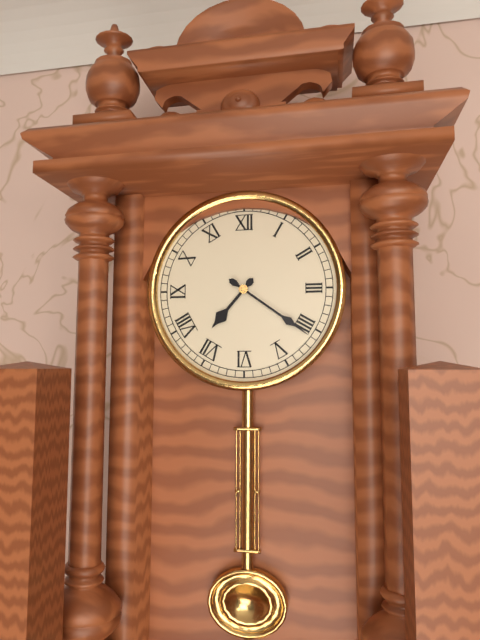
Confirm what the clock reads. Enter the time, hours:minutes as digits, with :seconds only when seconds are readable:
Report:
7:21
